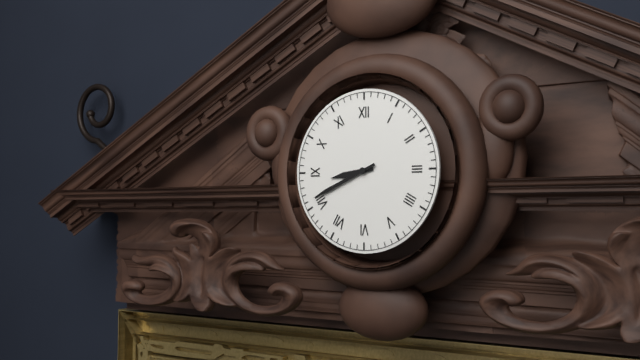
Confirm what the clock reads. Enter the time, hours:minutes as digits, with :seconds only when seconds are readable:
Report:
8:41
